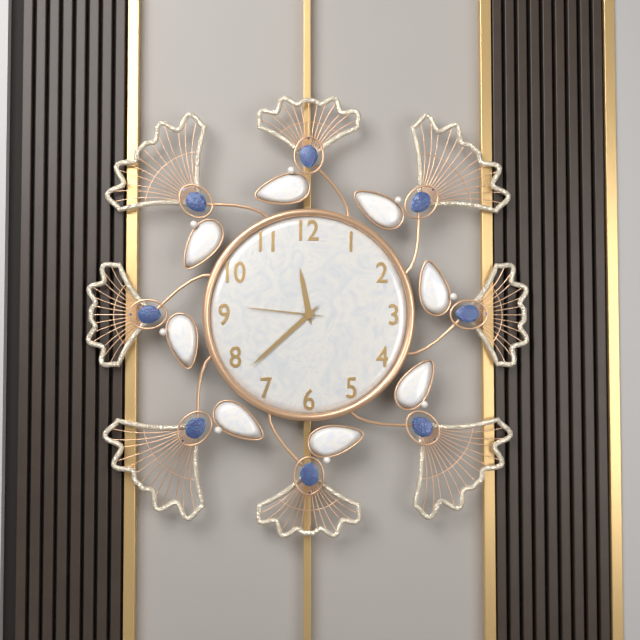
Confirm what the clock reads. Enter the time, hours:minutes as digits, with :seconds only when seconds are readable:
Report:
11:38:46
